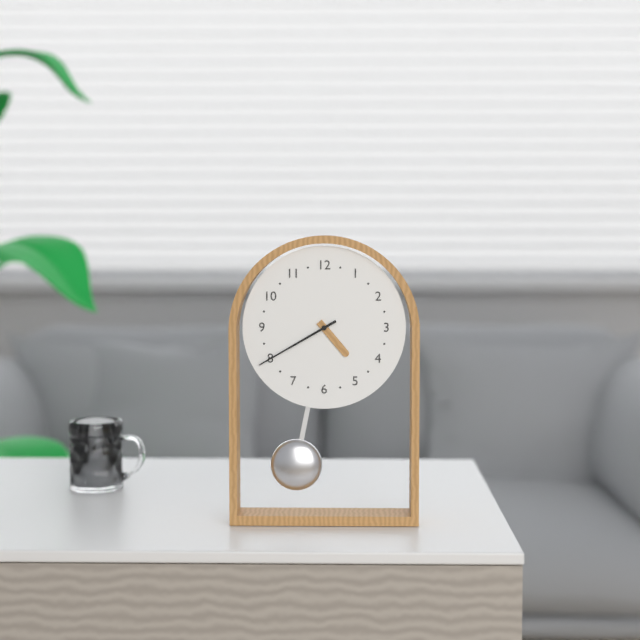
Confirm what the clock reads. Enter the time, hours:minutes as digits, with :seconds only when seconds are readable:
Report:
4:40
